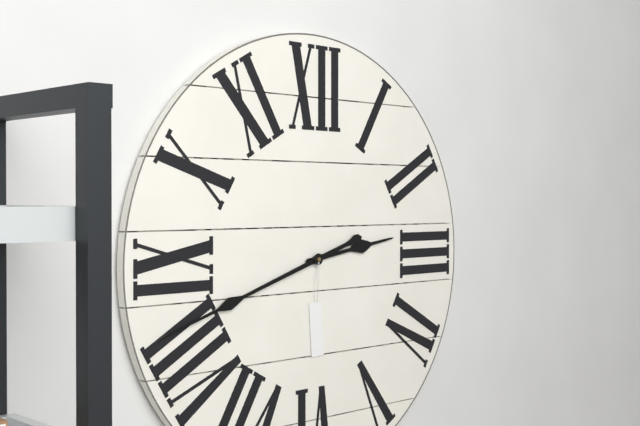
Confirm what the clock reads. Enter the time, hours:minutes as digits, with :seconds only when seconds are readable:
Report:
2:42
